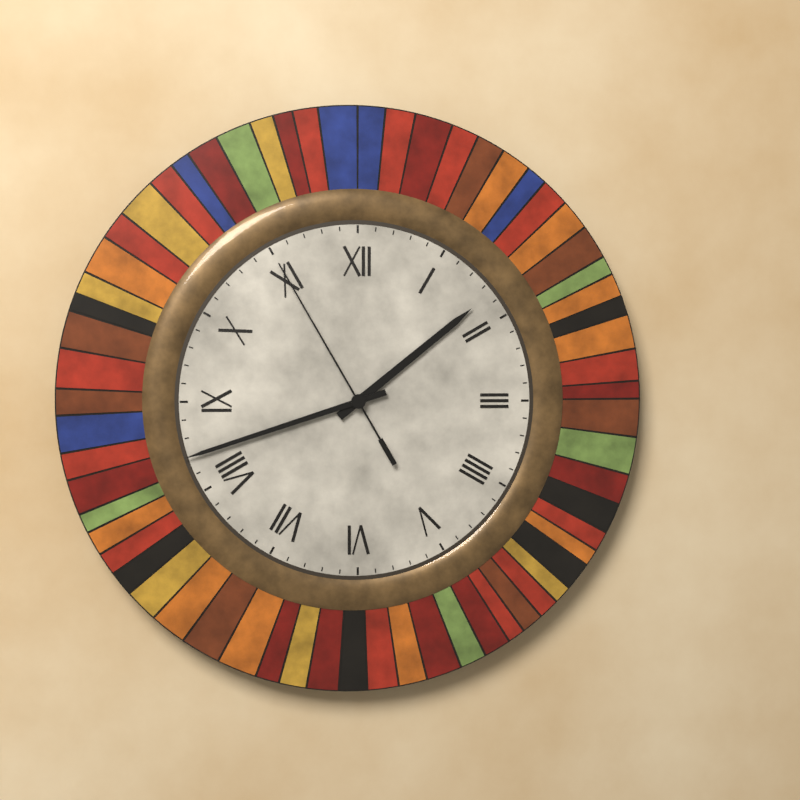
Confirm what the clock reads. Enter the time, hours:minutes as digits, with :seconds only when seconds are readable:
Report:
1:42:55
